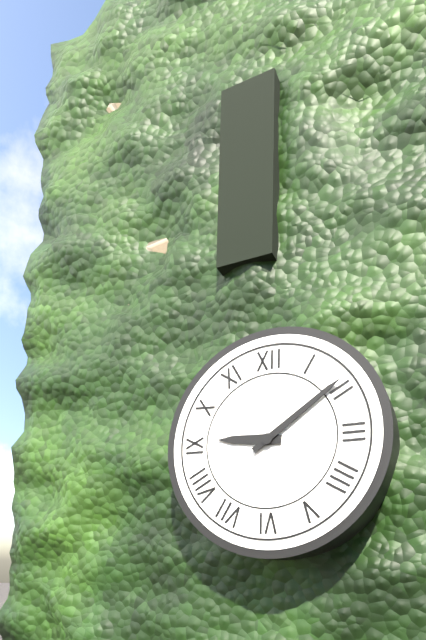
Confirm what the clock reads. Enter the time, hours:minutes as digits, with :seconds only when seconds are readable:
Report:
9:09
